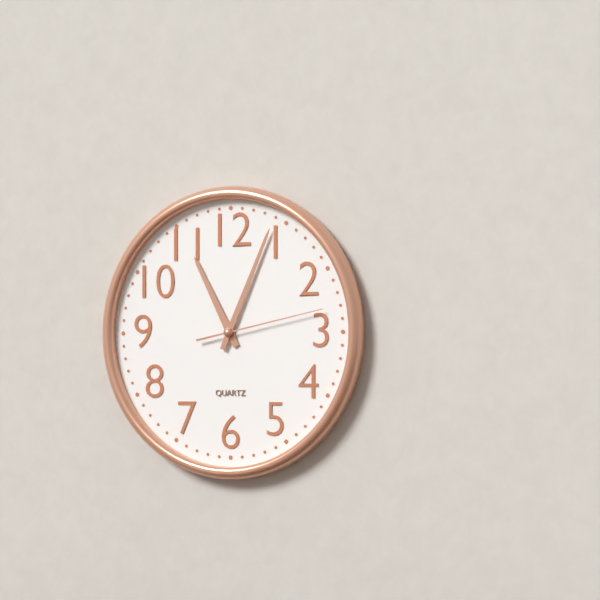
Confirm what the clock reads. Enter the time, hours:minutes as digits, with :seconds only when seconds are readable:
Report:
11:04:13
